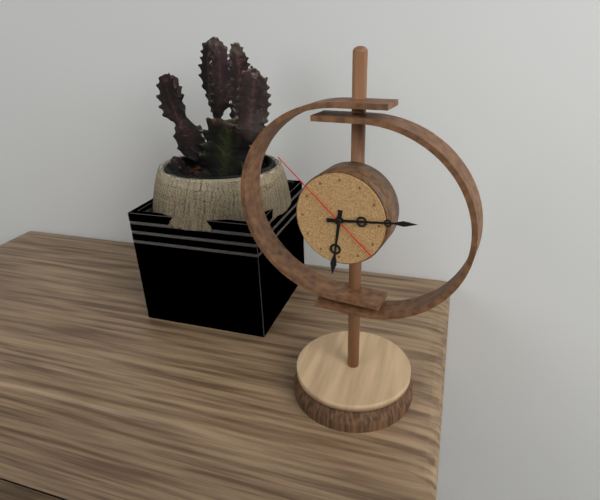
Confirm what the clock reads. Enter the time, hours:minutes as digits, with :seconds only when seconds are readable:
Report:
6:14:52
